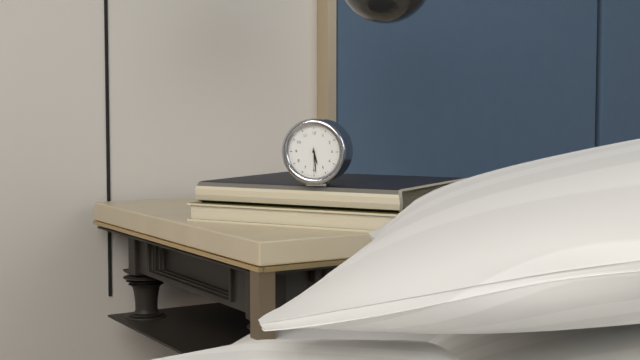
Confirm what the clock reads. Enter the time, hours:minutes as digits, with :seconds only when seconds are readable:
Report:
5:29
